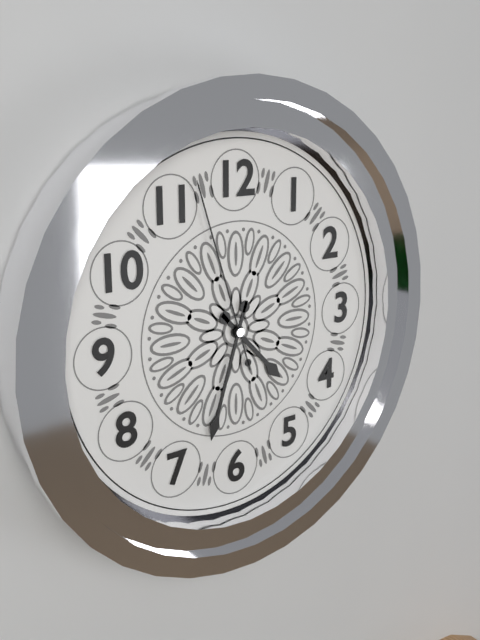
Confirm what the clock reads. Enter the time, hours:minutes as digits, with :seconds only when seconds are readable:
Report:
4:33:57
